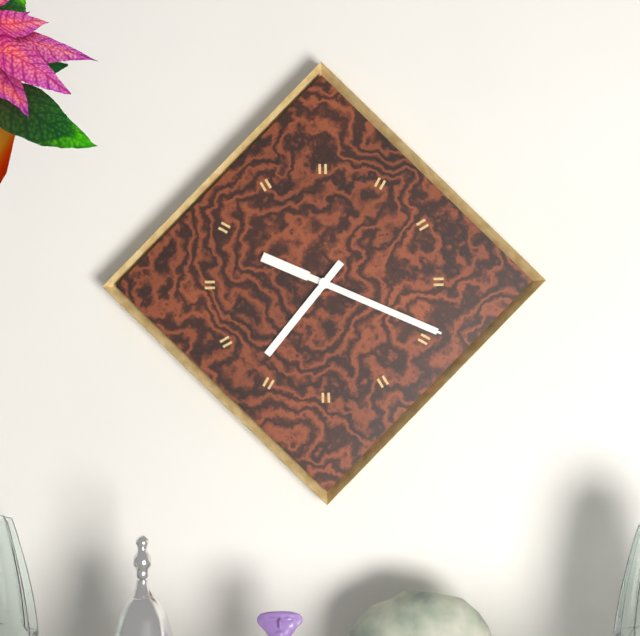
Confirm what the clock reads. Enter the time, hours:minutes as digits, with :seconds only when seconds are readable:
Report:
7:19:19
